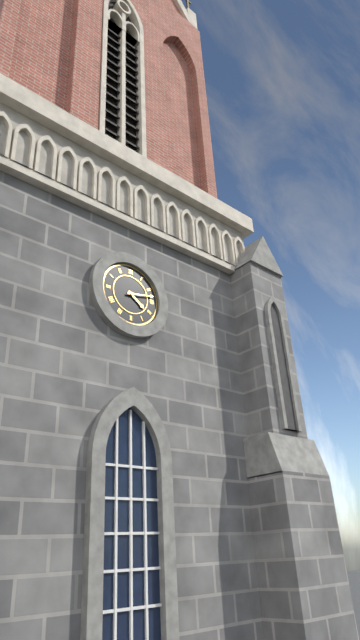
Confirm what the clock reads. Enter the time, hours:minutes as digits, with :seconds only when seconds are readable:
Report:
4:13
